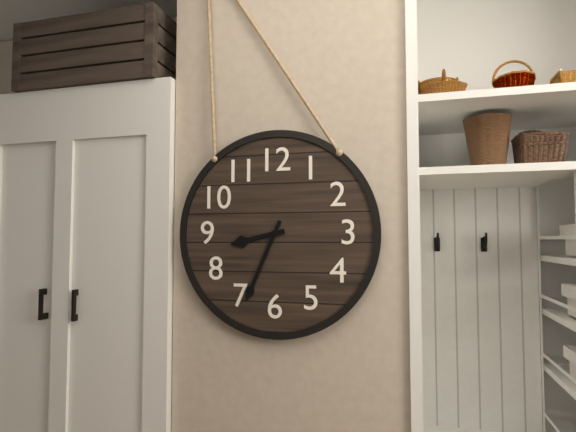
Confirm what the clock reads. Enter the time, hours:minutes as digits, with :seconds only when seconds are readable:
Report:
8:34
